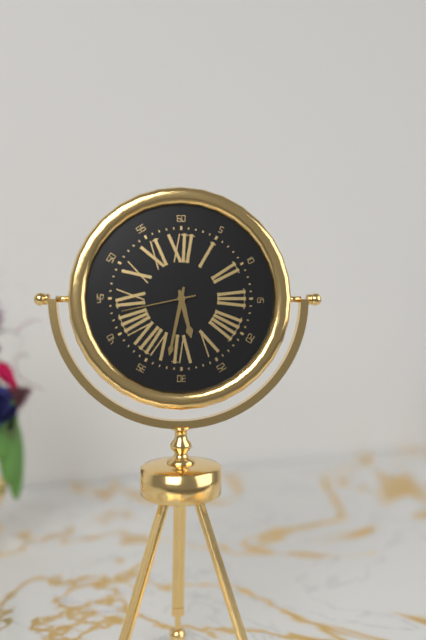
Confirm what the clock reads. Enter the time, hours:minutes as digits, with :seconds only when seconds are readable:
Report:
5:32:43
